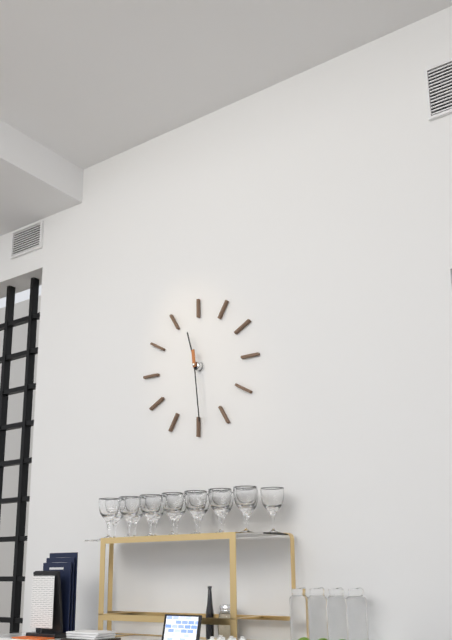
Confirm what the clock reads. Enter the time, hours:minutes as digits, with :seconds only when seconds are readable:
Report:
11:29
